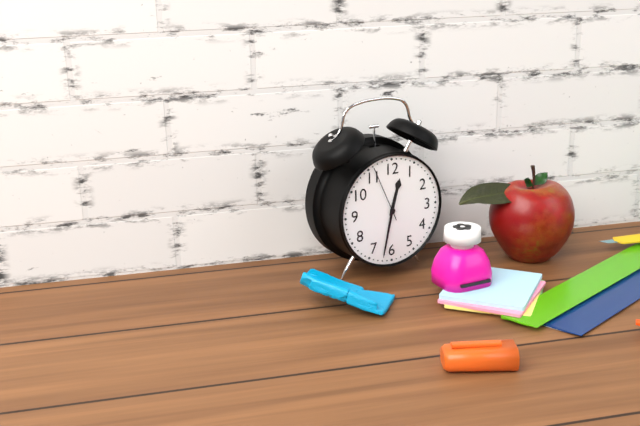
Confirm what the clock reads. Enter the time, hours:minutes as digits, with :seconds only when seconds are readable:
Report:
12:32:56
